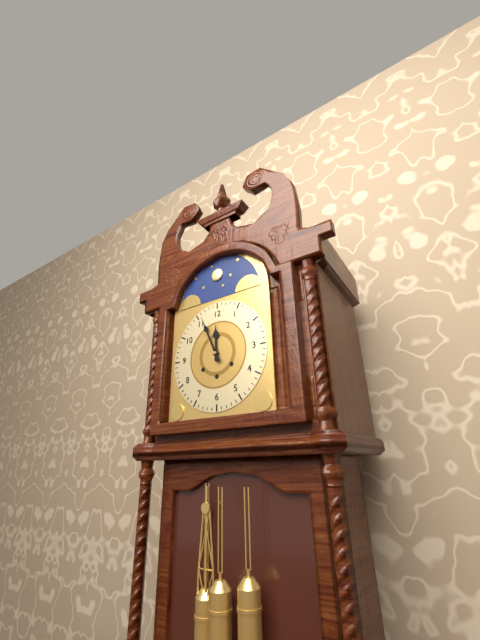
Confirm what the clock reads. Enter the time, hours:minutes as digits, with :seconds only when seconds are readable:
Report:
11:56
